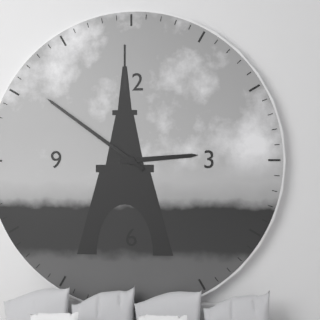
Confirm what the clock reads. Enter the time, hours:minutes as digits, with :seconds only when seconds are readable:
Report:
2:51
